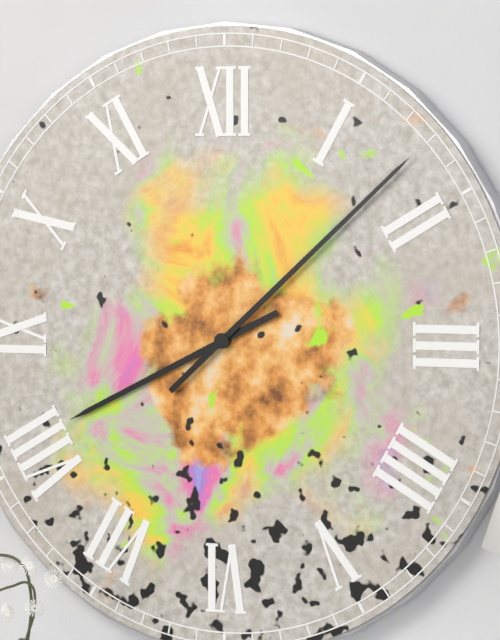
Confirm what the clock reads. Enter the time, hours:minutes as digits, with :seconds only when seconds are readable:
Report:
8:08
